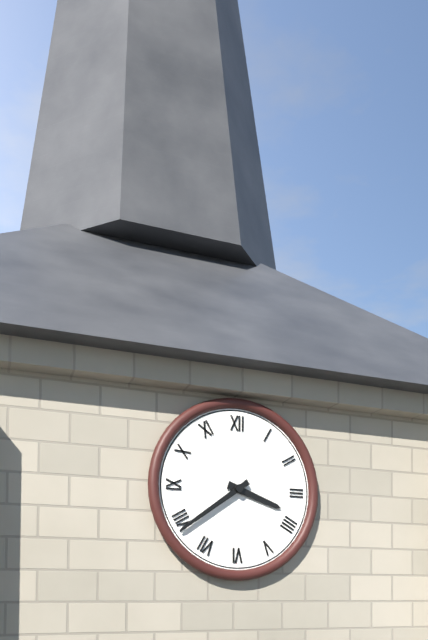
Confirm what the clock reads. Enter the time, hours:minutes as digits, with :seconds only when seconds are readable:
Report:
3:39
